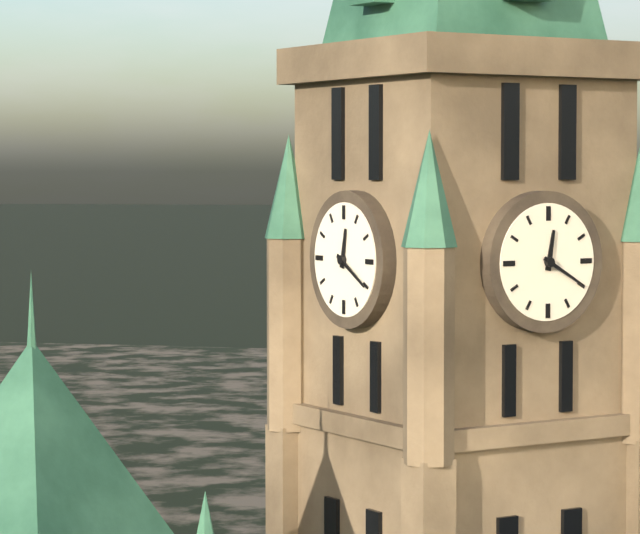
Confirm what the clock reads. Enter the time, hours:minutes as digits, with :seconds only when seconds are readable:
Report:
12:20
